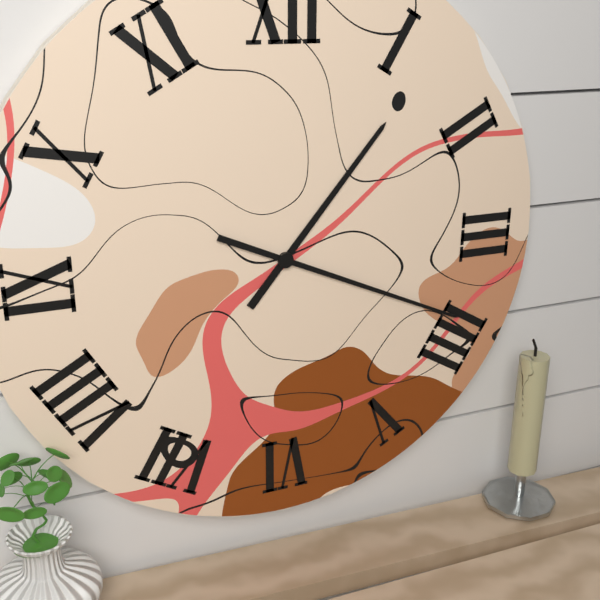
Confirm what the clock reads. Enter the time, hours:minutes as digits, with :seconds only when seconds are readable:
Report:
1:19
